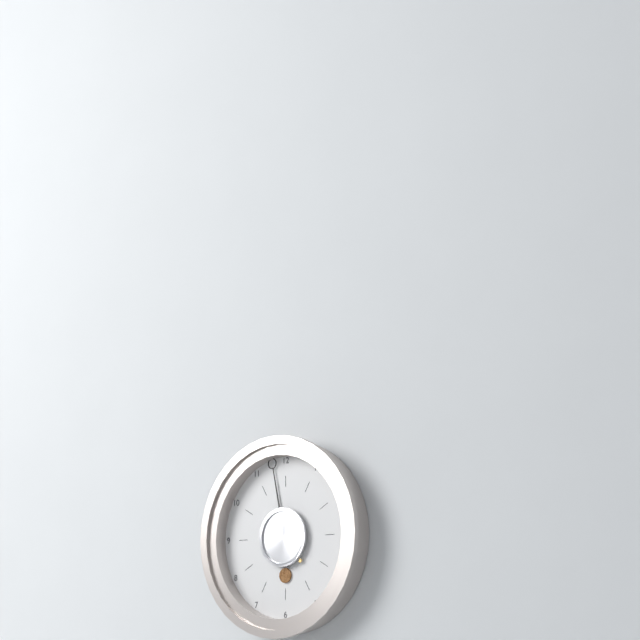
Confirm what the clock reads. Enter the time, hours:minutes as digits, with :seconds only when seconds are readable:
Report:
5:58
